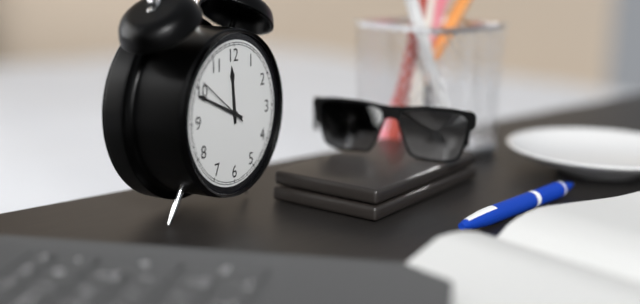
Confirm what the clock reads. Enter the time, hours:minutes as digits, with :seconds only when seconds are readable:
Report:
11:49:51
